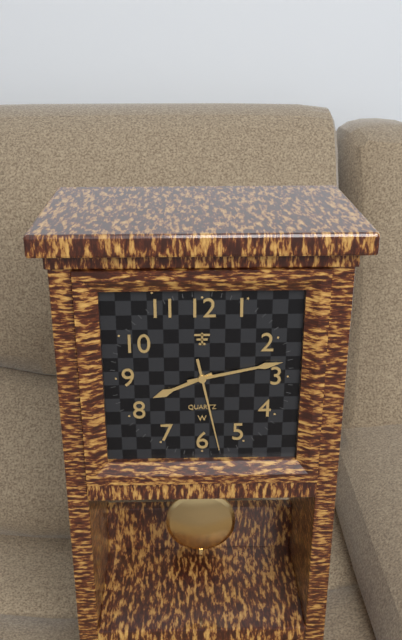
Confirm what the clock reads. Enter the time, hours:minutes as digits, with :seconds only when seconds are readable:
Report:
8:13:28
